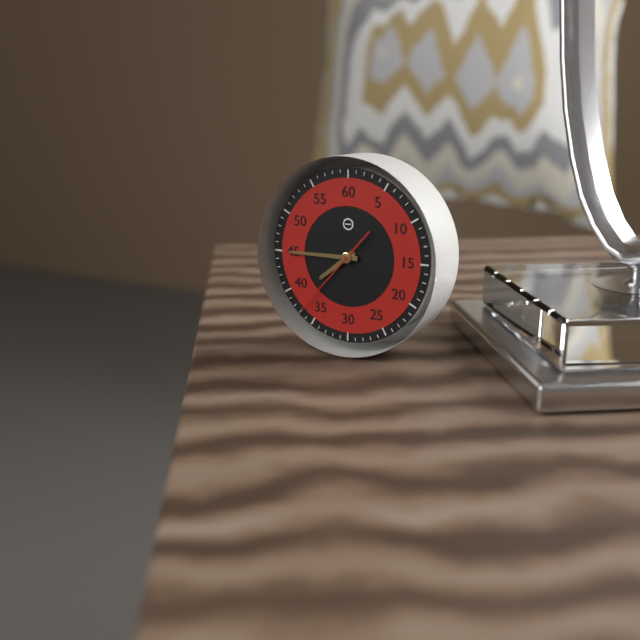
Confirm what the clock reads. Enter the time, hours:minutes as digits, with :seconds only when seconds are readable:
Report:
7:45:37
